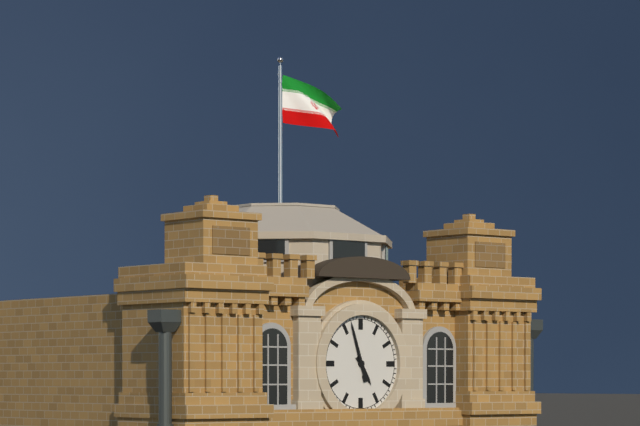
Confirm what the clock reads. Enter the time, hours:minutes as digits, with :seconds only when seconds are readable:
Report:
4:57
